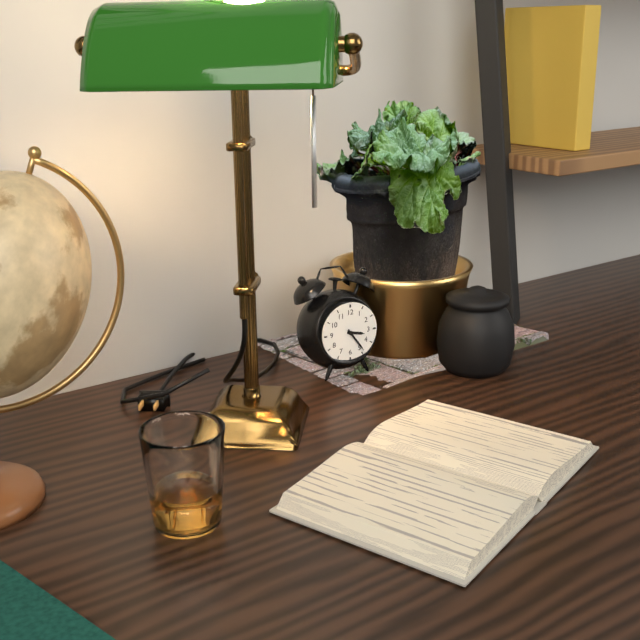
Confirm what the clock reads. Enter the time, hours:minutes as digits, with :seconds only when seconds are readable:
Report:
3:24
